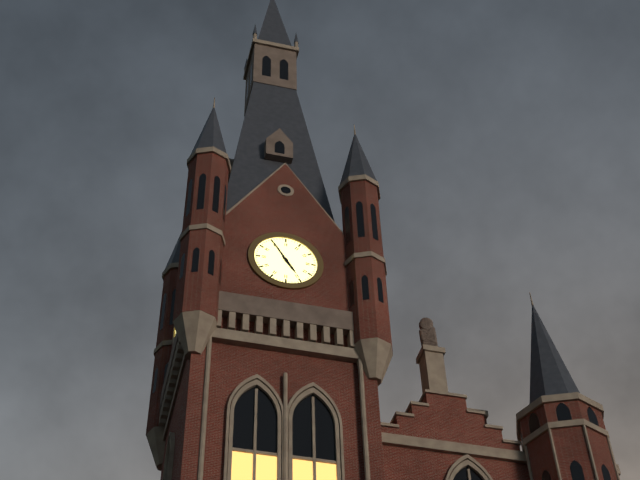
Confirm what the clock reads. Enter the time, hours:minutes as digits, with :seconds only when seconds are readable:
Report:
4:55
